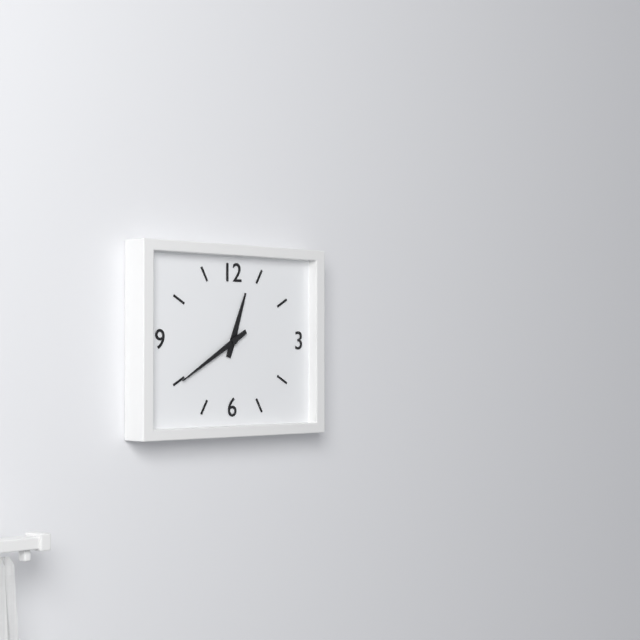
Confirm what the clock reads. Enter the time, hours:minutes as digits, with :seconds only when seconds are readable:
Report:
12:40
